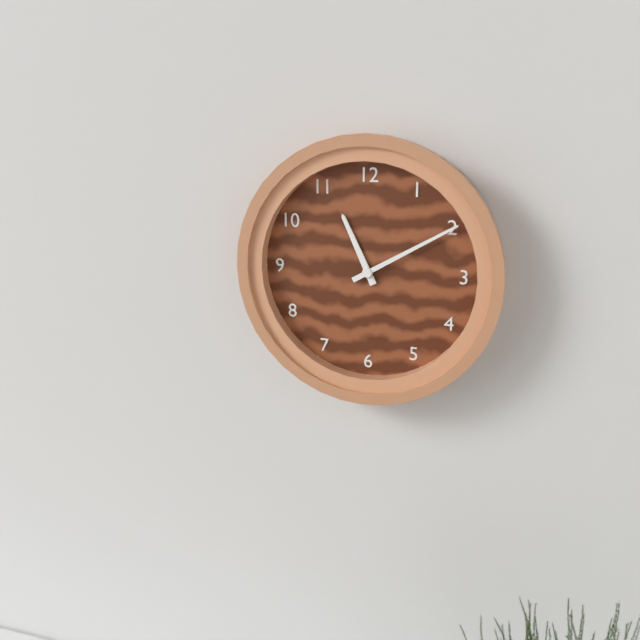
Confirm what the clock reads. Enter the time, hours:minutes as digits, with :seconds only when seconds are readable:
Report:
11:10
